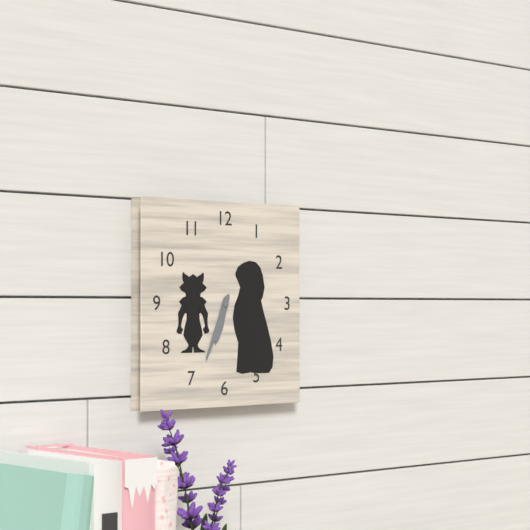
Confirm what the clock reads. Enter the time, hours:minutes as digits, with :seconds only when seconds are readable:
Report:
6:34
